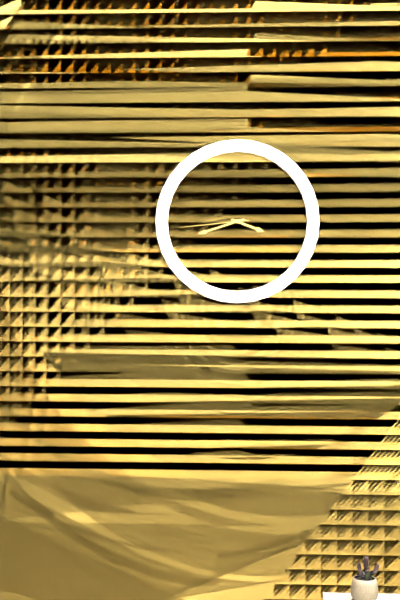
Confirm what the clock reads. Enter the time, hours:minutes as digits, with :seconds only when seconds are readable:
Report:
3:42:44
